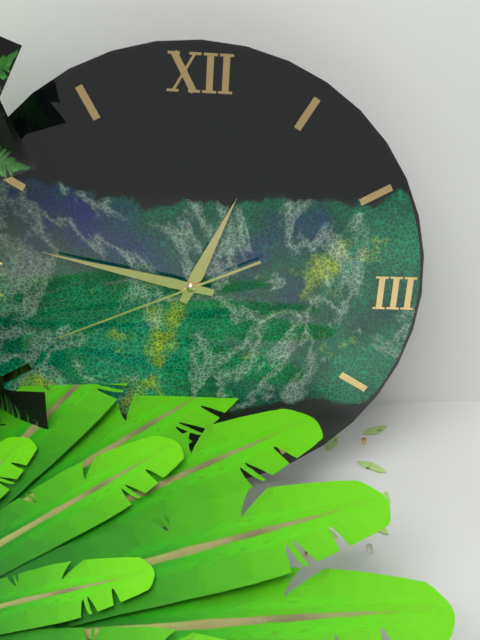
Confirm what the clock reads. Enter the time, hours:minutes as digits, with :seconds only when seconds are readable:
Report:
12:47:41
